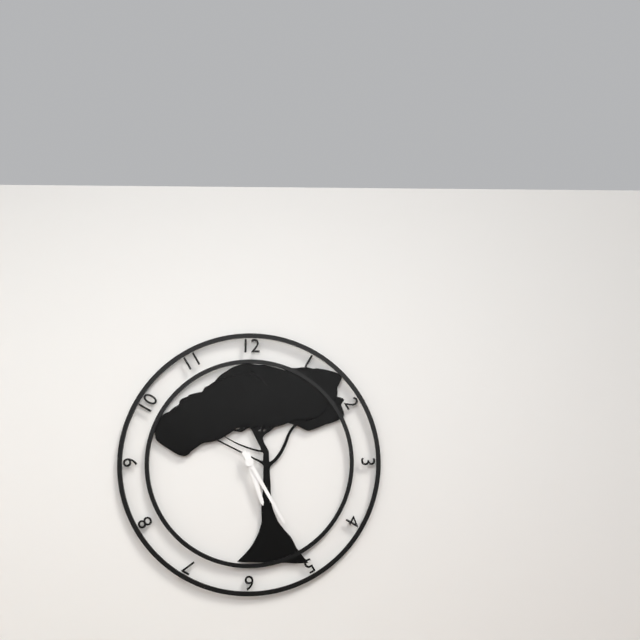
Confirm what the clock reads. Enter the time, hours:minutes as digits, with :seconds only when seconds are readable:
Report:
5:25
